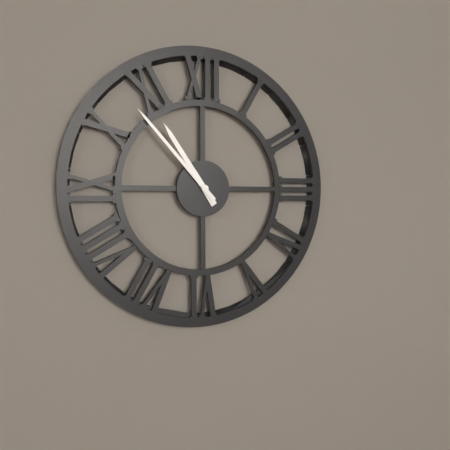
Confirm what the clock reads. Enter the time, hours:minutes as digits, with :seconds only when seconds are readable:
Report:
10:53
